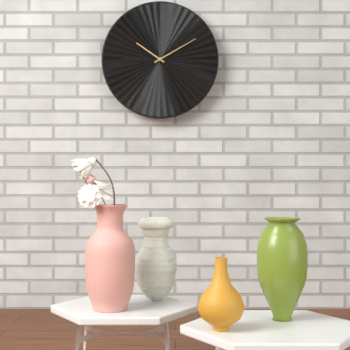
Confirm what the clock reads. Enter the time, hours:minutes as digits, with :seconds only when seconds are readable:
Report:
10:10
